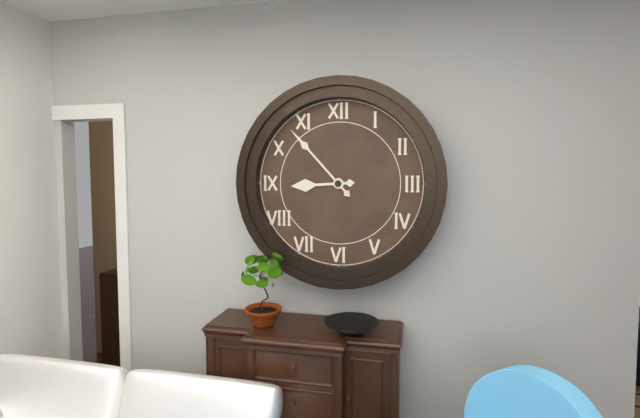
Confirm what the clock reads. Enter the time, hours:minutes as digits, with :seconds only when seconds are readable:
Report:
8:53
